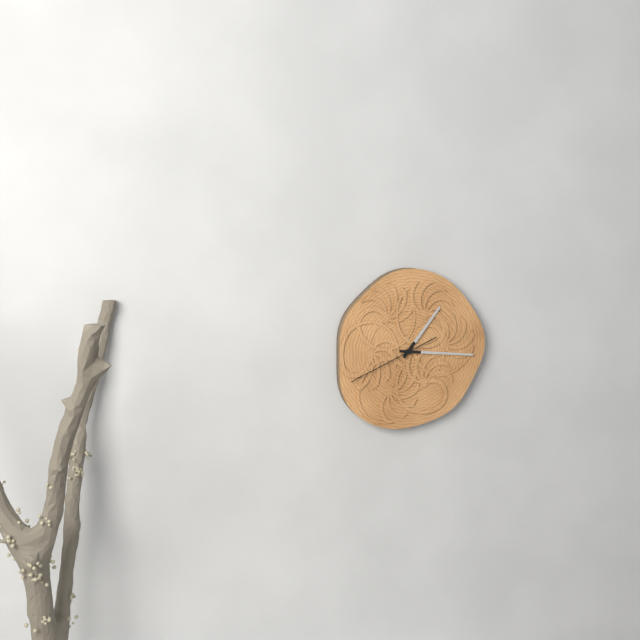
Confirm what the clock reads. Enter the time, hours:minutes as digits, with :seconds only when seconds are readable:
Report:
1:16:41
